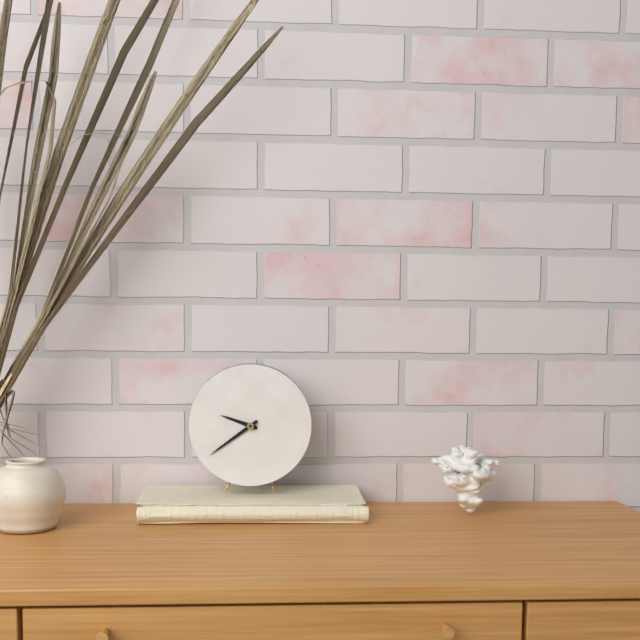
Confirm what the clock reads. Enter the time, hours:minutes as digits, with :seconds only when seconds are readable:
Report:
9:39
